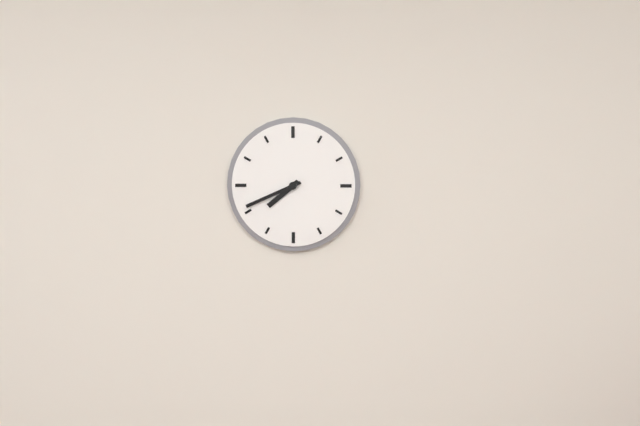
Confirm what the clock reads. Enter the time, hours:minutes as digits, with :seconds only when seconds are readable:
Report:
7:41
